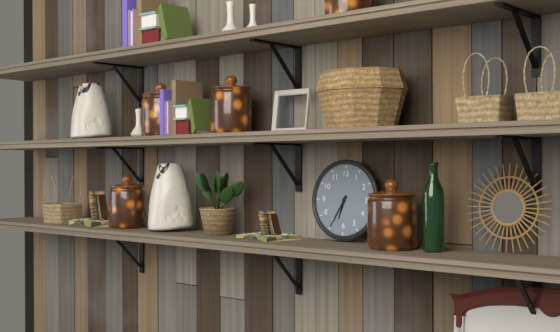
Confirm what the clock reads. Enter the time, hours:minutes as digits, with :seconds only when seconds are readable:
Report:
6:35
